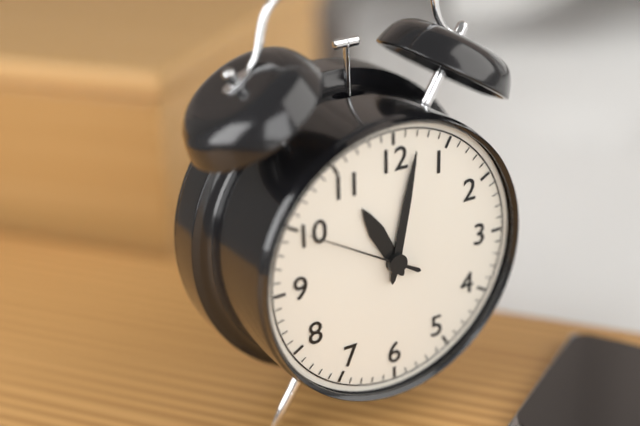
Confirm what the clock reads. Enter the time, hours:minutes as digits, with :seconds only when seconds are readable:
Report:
11:02:50
